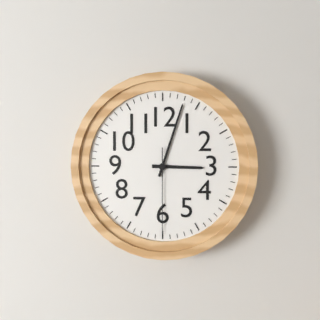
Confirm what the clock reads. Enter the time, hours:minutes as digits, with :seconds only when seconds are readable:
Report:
3:03:30
